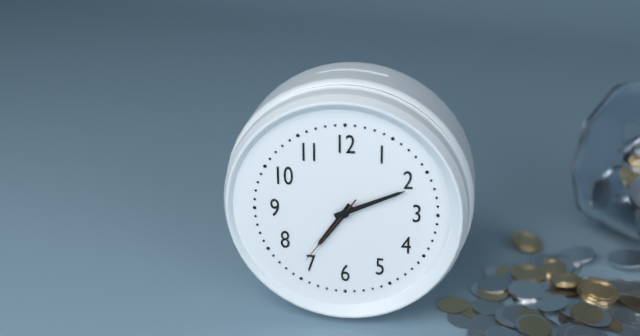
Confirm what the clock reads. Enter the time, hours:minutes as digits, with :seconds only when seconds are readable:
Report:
7:11:36
